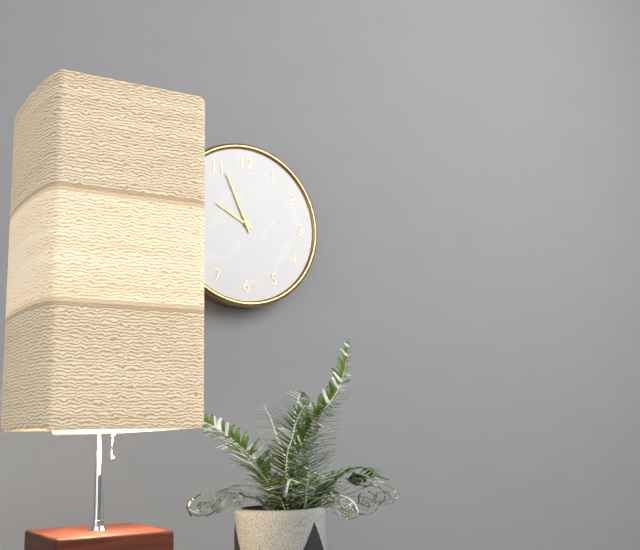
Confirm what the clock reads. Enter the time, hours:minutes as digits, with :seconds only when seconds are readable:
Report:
9:56
